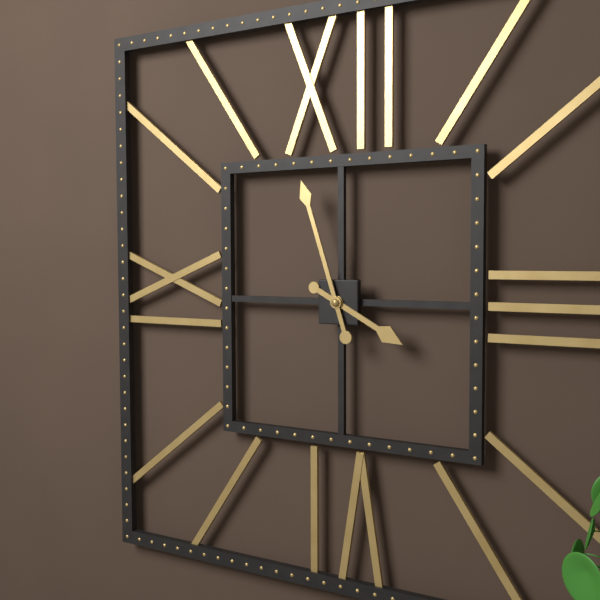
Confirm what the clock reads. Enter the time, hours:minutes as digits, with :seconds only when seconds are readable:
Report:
3:57
